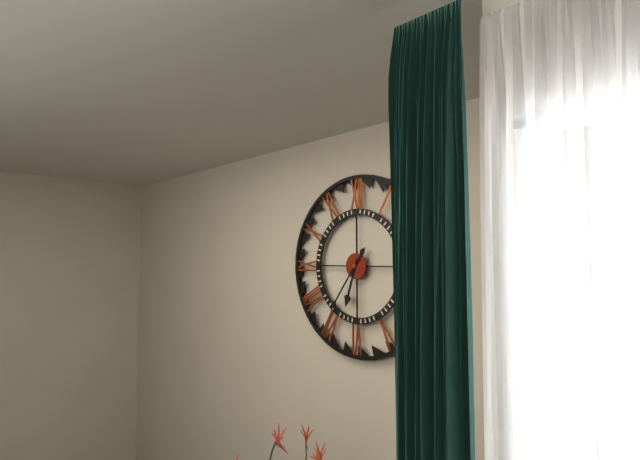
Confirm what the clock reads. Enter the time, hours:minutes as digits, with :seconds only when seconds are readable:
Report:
6:36
